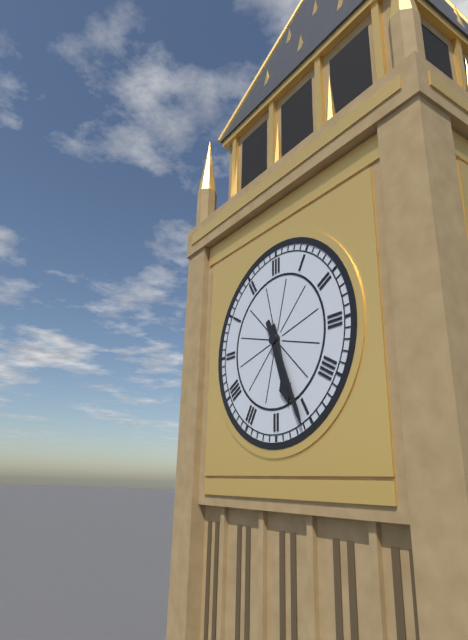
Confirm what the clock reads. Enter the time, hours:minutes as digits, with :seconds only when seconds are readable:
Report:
5:26
